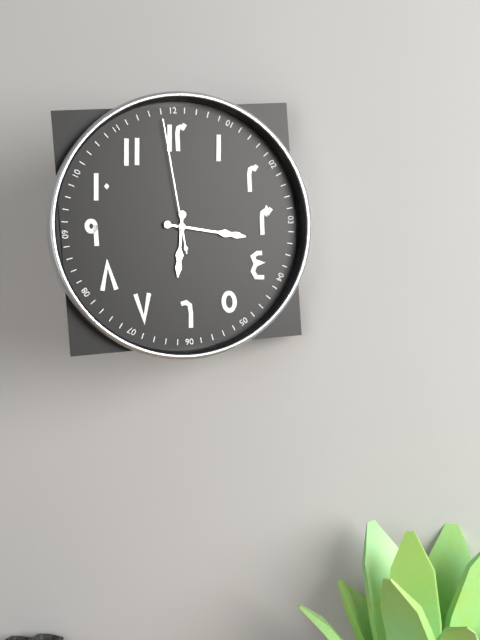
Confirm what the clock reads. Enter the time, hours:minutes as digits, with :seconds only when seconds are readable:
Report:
6:17:59
